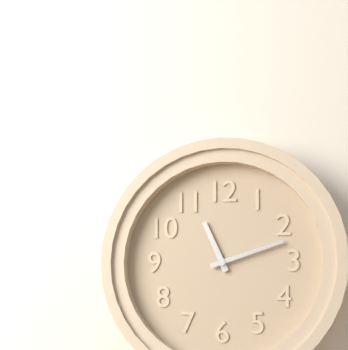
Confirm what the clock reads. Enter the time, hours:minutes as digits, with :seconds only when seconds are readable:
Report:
11:12
